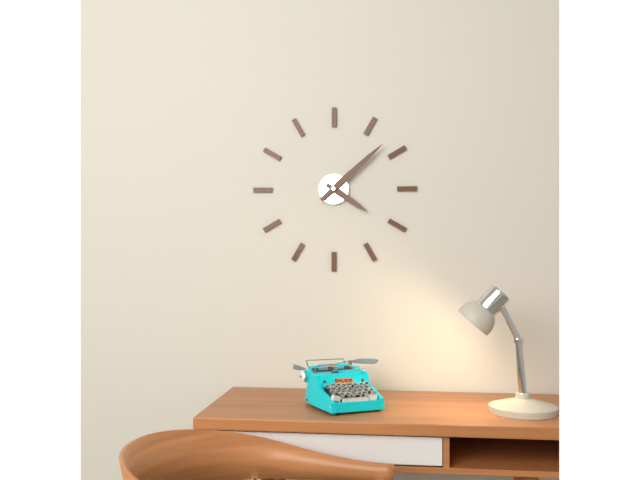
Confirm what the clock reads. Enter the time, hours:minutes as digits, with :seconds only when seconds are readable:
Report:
4:08
